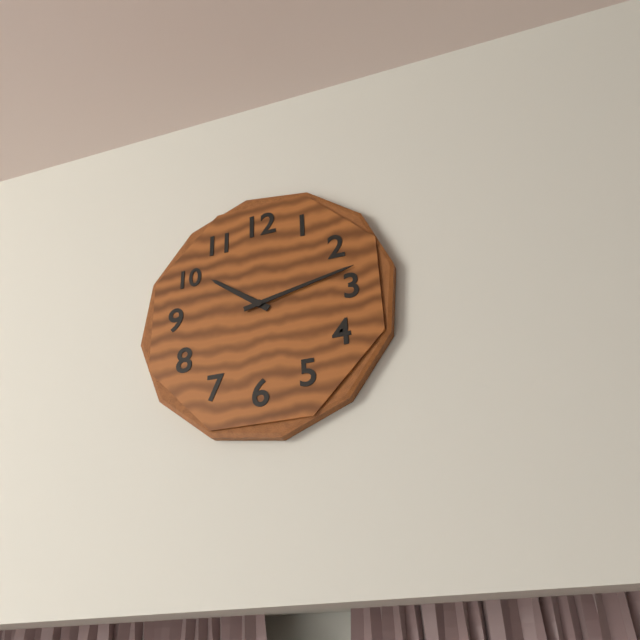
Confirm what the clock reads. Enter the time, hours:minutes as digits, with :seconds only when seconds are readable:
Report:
10:13
